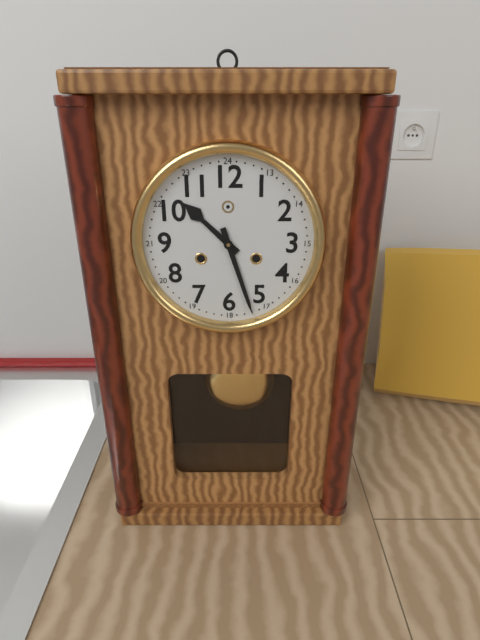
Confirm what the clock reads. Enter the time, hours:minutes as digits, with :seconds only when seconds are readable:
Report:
10:27
